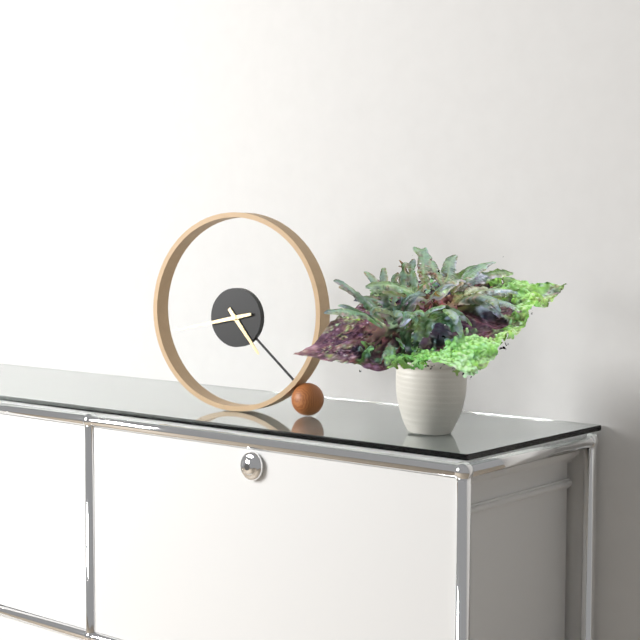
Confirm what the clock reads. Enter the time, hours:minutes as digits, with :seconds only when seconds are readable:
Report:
4:43
